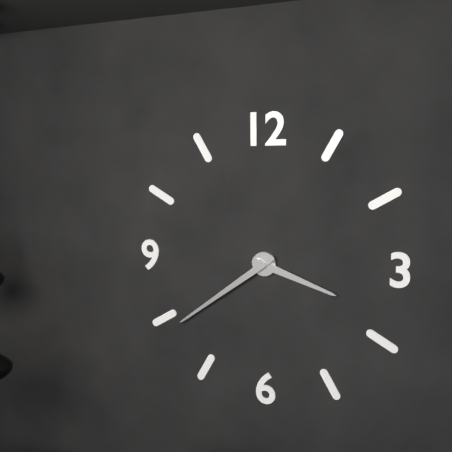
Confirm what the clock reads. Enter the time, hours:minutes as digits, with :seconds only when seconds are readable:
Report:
3:39
